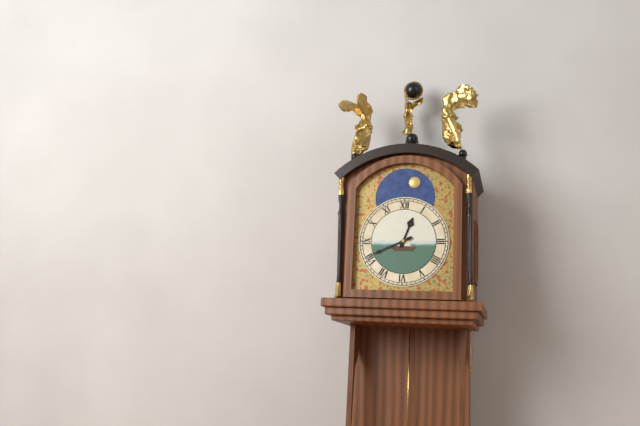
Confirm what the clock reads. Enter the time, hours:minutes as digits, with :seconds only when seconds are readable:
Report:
12:41
